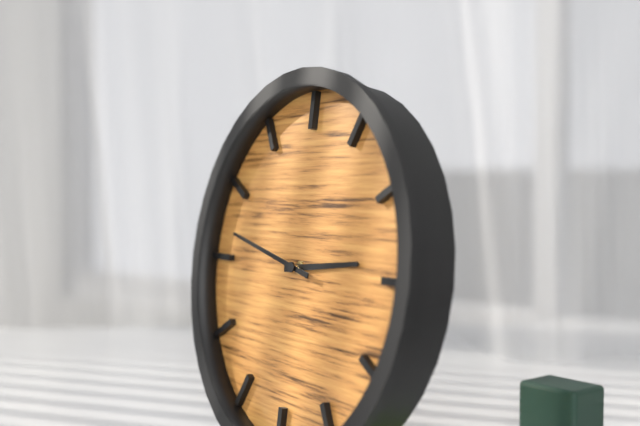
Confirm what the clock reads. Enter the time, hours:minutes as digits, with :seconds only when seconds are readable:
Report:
2:47
